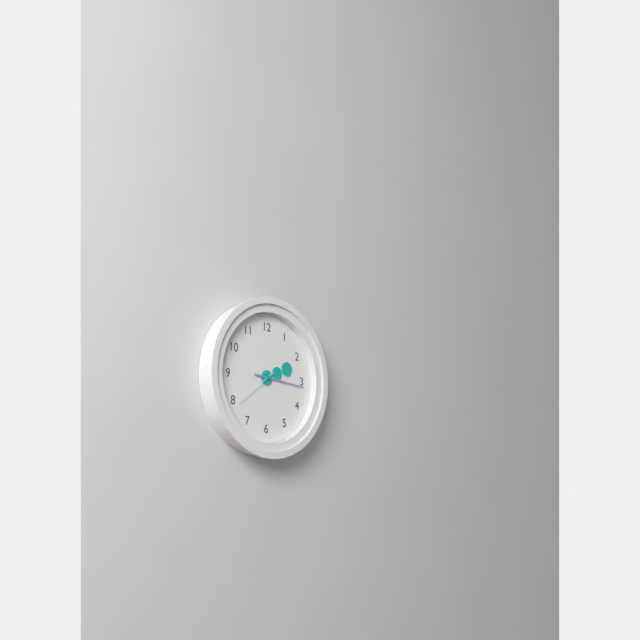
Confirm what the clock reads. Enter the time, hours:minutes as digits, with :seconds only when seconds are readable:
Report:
2:16
